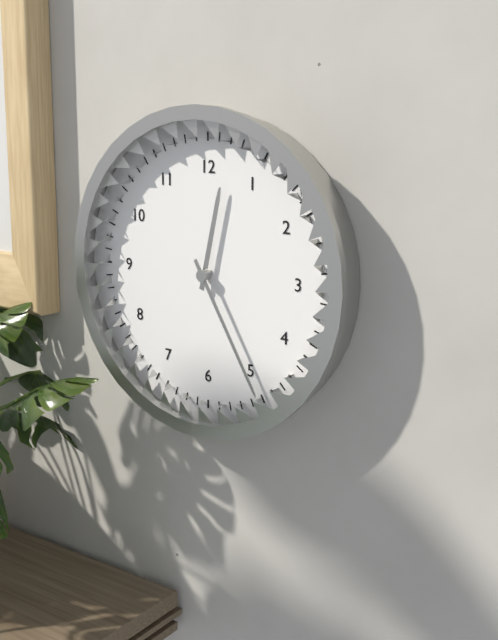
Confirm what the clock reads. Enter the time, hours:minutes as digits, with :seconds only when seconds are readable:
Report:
12:25
